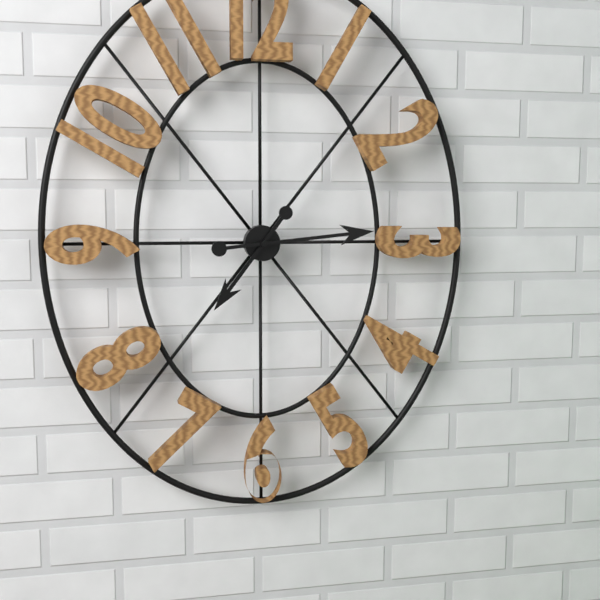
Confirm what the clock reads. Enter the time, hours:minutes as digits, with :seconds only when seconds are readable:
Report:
7:14
